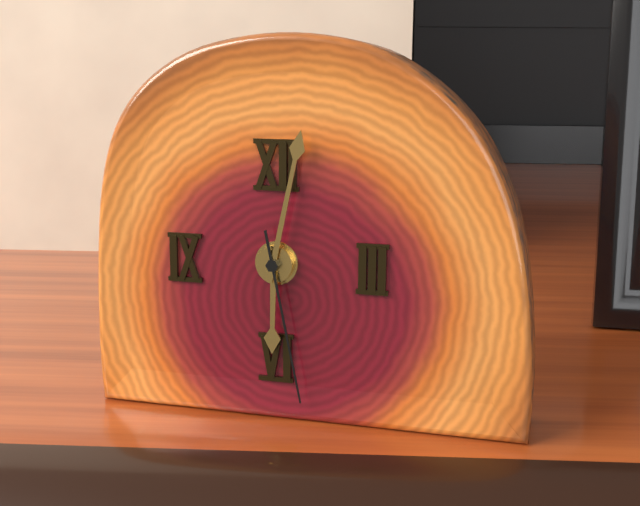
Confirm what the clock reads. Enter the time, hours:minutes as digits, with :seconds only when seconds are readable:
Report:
6:02:28
